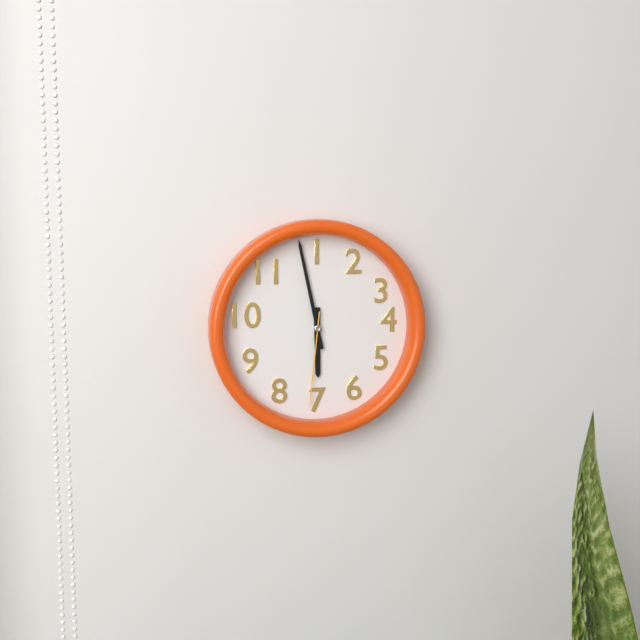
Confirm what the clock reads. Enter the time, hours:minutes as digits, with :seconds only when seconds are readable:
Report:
5:58:31
